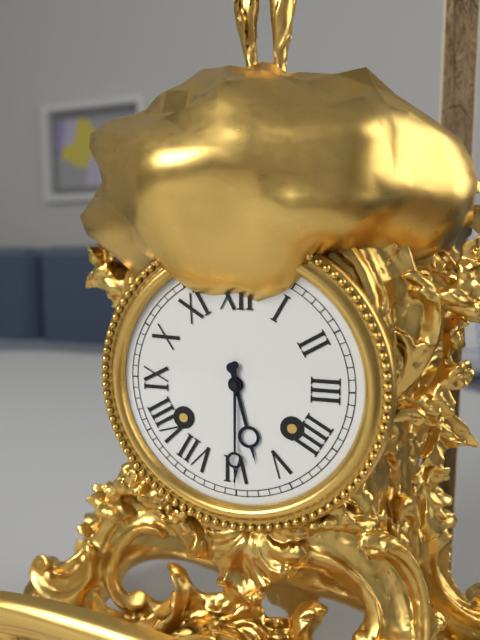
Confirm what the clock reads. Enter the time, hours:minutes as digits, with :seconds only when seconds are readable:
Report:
5:30
